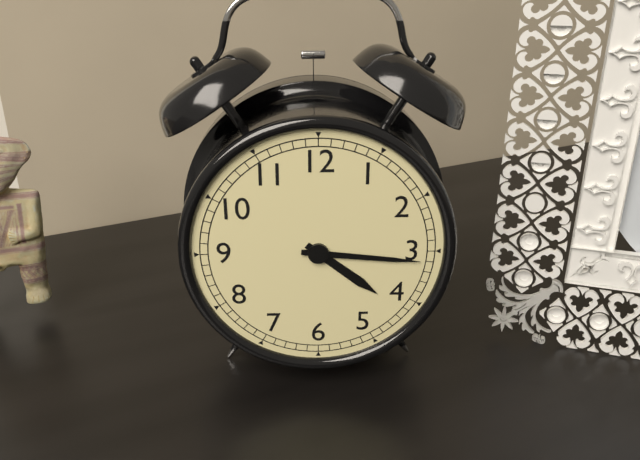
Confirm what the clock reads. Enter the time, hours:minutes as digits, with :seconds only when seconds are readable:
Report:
4:16
